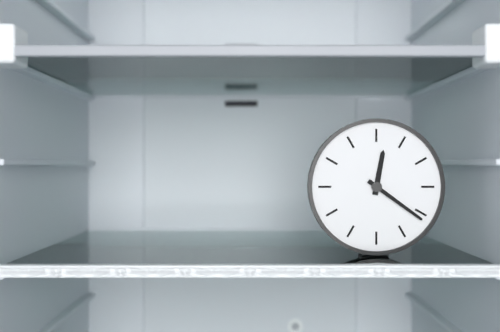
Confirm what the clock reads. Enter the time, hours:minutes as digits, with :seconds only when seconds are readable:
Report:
12:21
